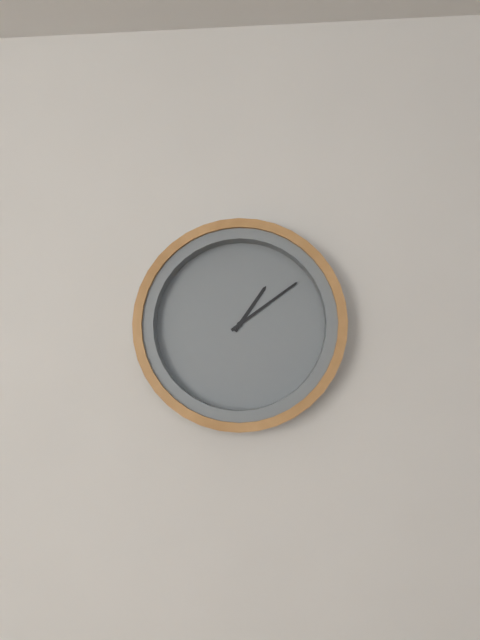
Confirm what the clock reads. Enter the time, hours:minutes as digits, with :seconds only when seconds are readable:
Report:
1:09
